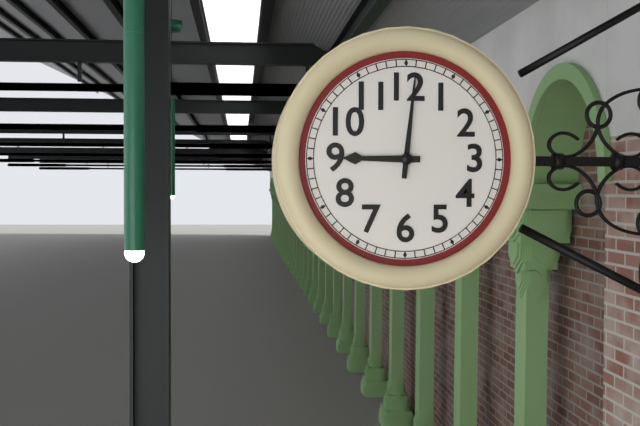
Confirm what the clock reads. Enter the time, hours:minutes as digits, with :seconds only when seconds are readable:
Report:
9:01
